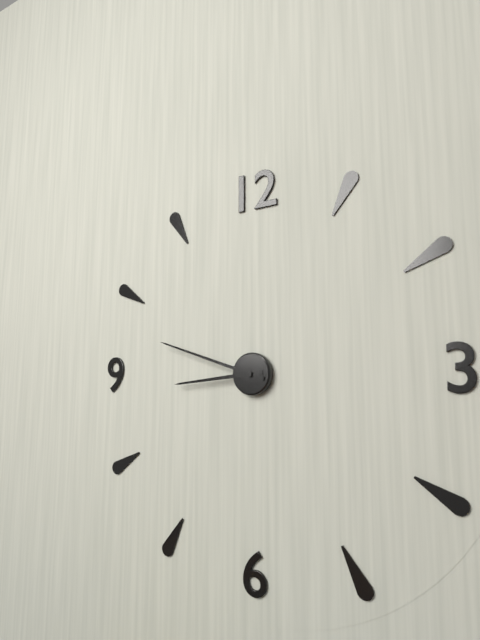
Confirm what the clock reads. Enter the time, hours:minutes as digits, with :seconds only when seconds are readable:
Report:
8:48
